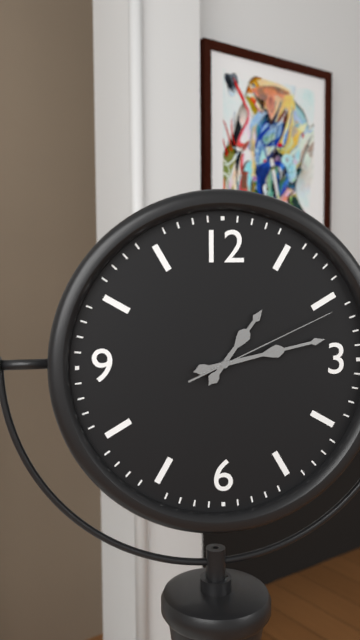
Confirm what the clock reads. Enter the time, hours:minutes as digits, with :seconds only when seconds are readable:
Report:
1:13:11
